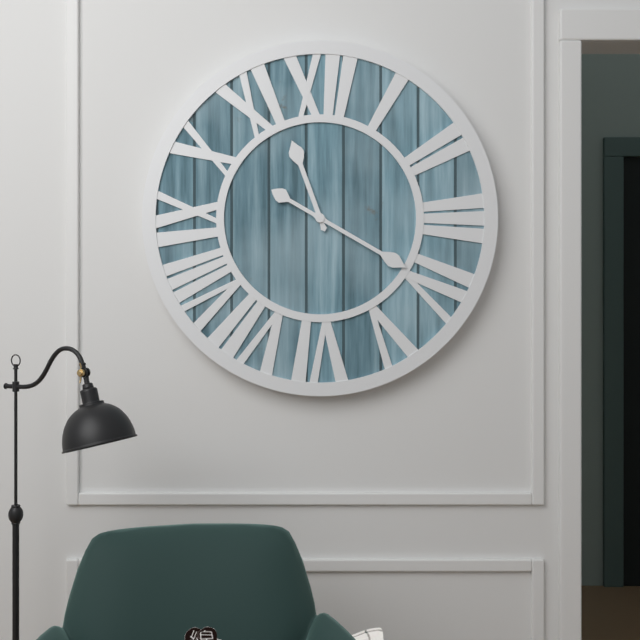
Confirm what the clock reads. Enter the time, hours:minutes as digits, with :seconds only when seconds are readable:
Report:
11:20
